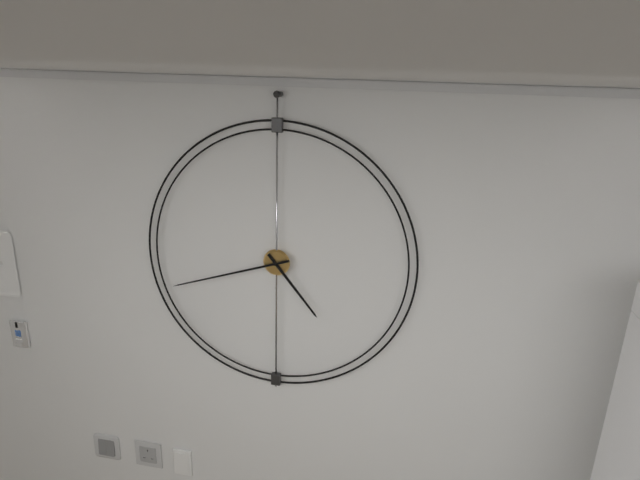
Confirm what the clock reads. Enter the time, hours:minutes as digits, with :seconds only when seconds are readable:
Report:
4:42
